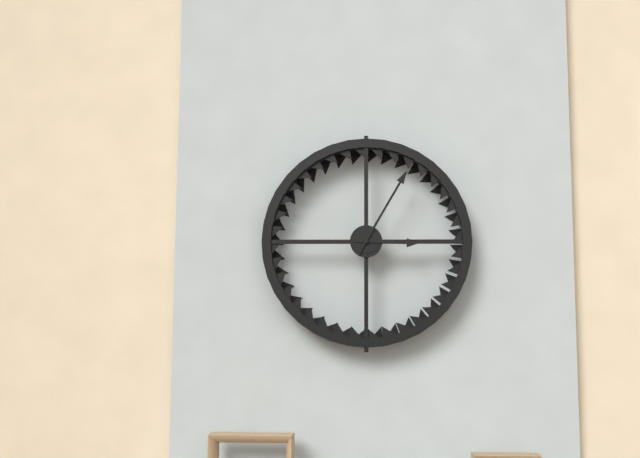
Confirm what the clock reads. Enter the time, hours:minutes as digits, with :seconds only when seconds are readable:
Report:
3:05
